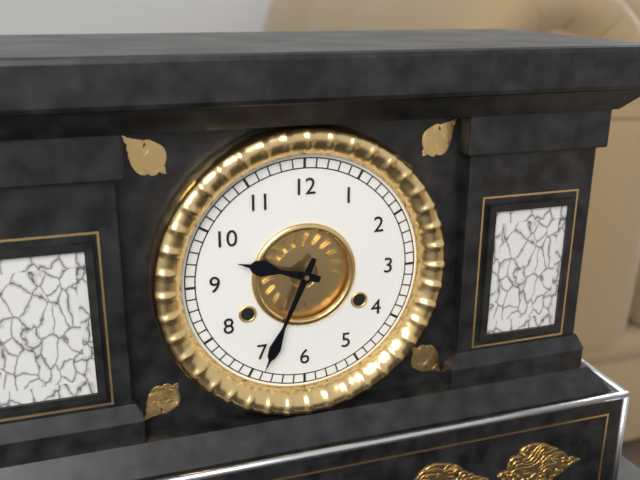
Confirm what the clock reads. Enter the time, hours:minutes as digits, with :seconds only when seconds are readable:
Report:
9:34
